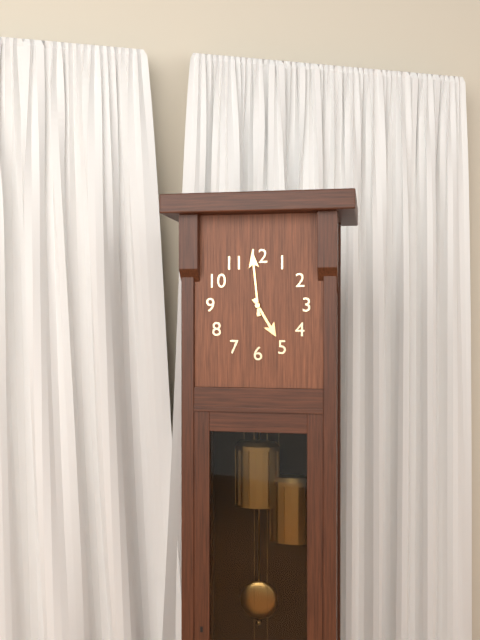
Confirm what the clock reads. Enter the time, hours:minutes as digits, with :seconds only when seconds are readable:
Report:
4:59
